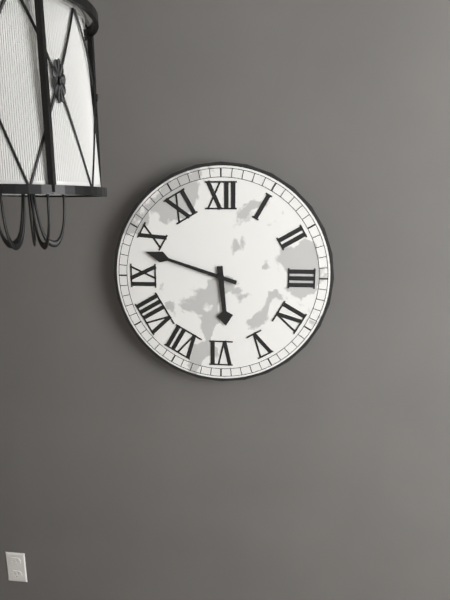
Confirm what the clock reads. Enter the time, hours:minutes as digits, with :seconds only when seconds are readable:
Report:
5:48
